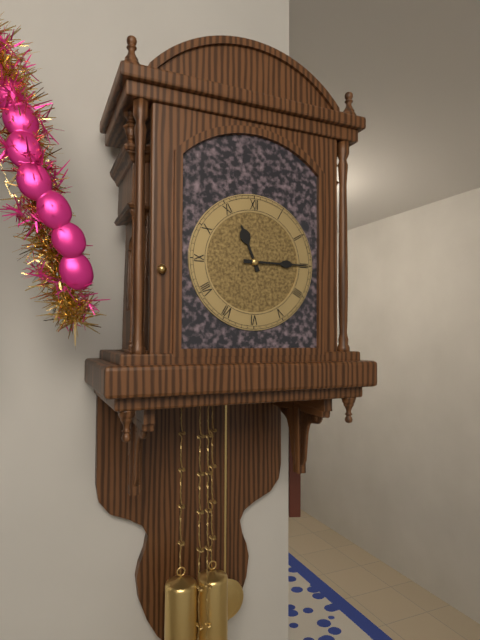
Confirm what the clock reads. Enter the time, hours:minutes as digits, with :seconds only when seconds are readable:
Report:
11:15
